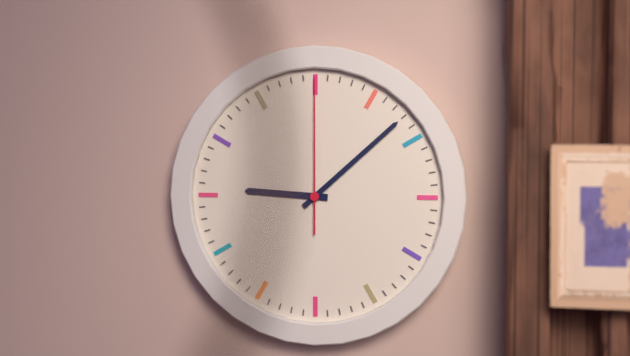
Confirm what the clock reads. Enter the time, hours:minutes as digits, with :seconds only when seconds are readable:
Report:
9:08:00
